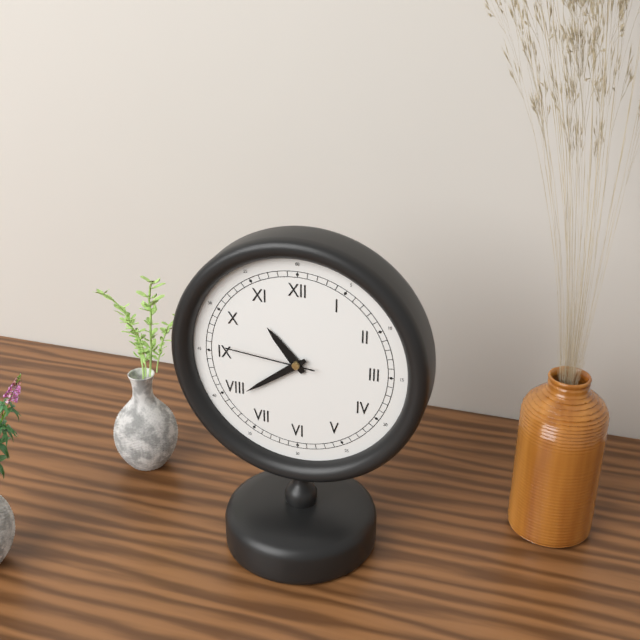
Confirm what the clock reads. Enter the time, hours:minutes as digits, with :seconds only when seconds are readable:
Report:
10:39:46
